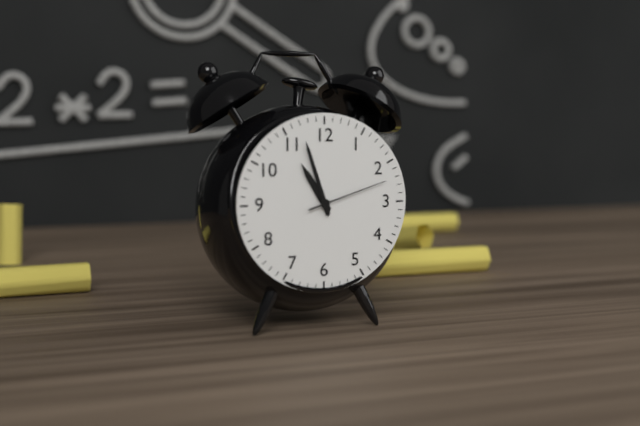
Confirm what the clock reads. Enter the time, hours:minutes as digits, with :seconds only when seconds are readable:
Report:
10:57:12
